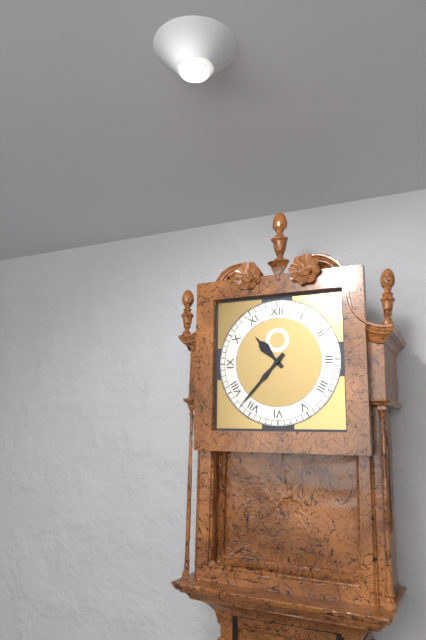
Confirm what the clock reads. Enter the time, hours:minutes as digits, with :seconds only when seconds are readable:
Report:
10:37
